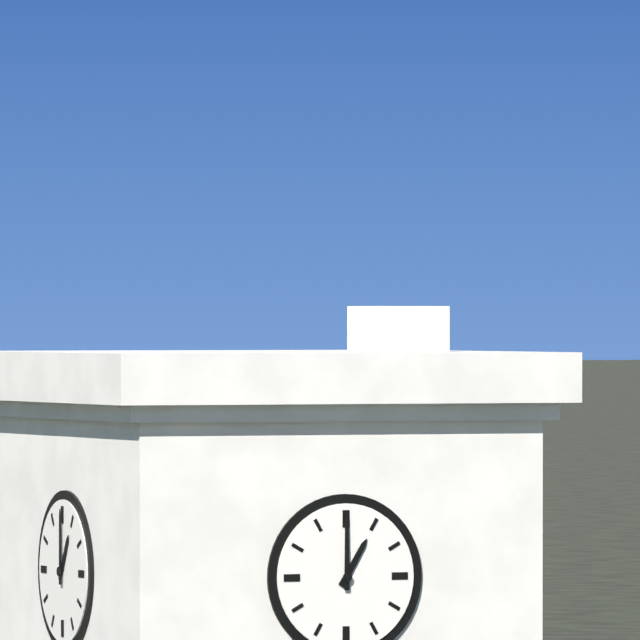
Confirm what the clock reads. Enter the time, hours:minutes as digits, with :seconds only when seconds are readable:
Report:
1:00
